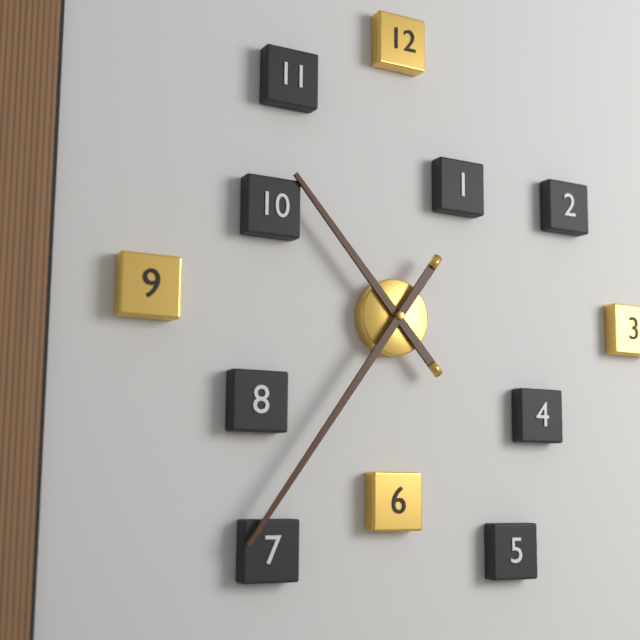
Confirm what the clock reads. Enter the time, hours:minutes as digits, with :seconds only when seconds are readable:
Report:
10:36
